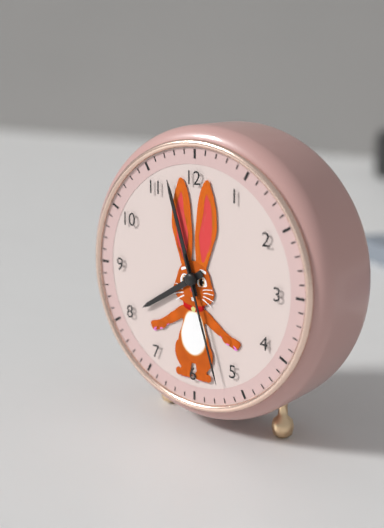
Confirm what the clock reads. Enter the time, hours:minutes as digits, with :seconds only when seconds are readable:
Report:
7:57:27
